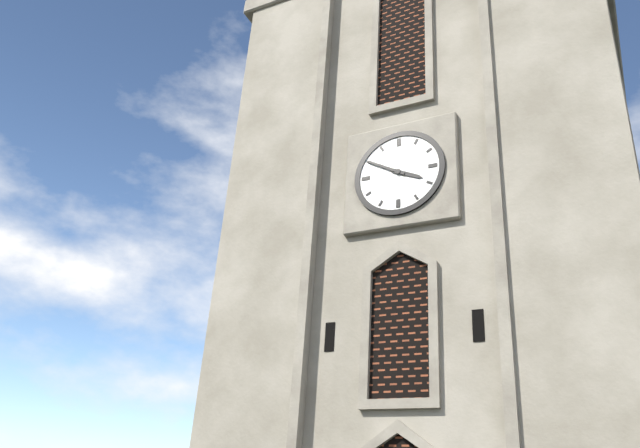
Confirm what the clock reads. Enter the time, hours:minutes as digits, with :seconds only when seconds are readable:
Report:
3:50
